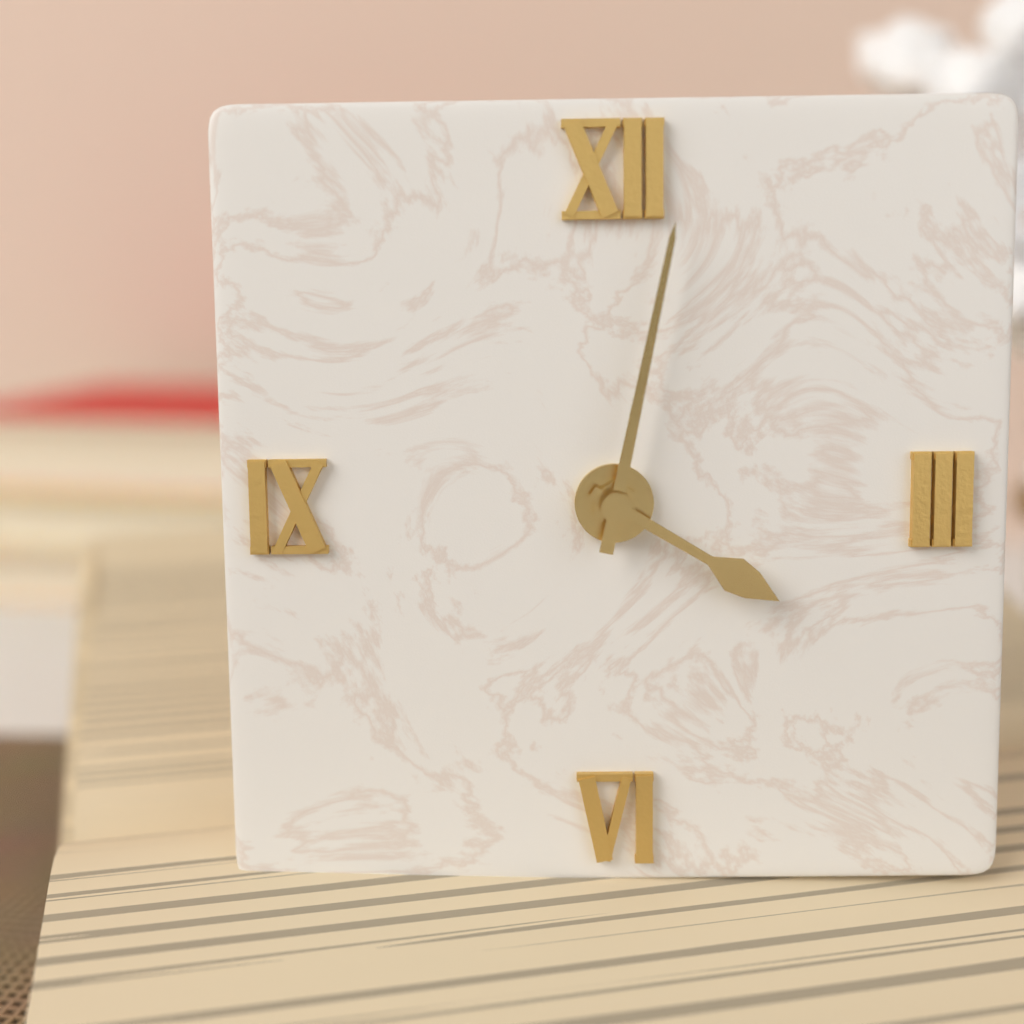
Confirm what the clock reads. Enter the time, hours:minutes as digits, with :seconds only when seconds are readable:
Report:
4:02
